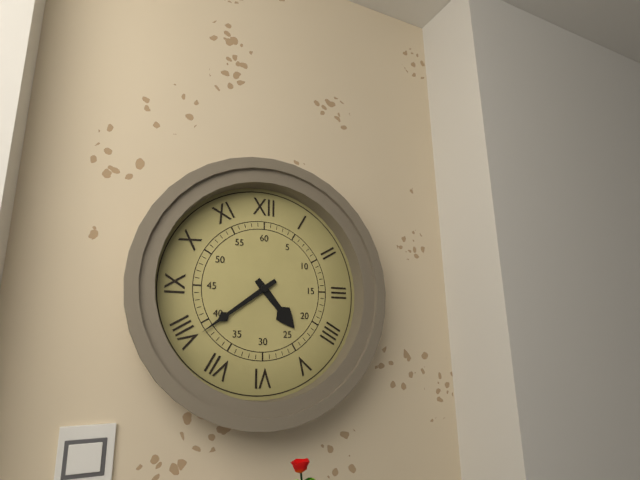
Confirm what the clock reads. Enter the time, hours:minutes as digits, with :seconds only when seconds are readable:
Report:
4:39
